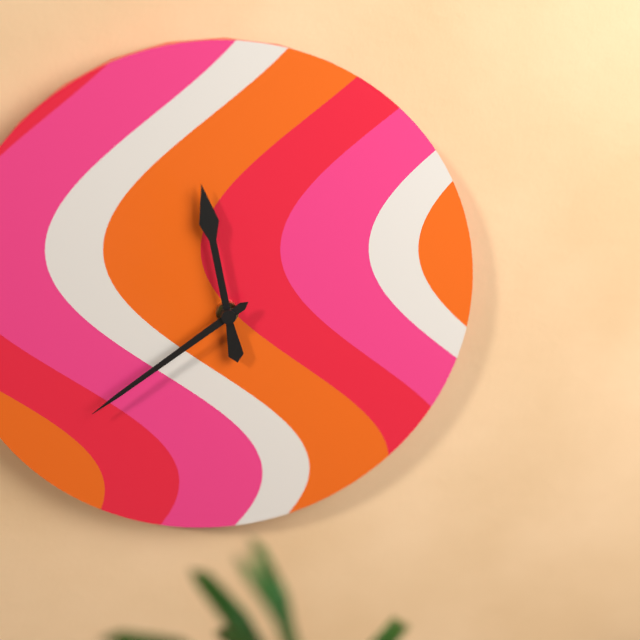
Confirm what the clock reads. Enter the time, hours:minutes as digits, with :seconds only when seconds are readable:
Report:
11:39
